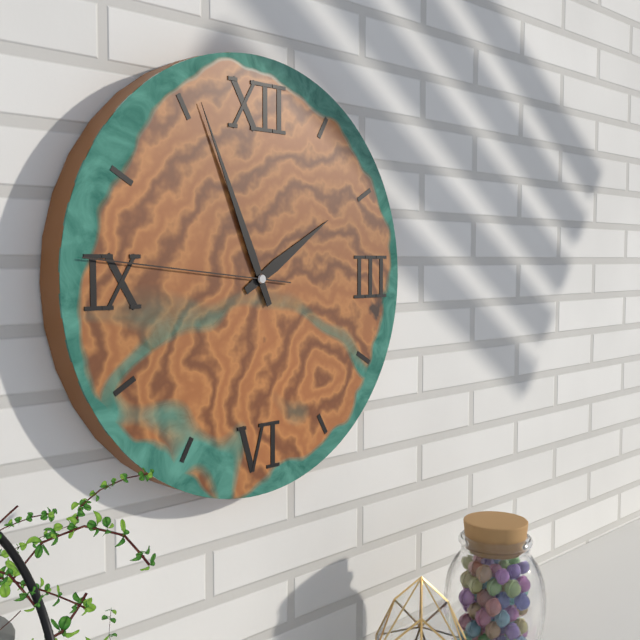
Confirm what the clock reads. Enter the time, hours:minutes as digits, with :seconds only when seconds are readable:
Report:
1:56:46
